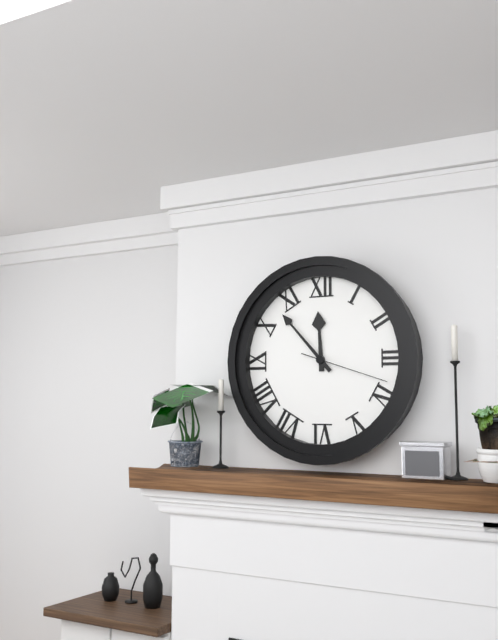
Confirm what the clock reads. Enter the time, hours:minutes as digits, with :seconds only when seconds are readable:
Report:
11:53:18
